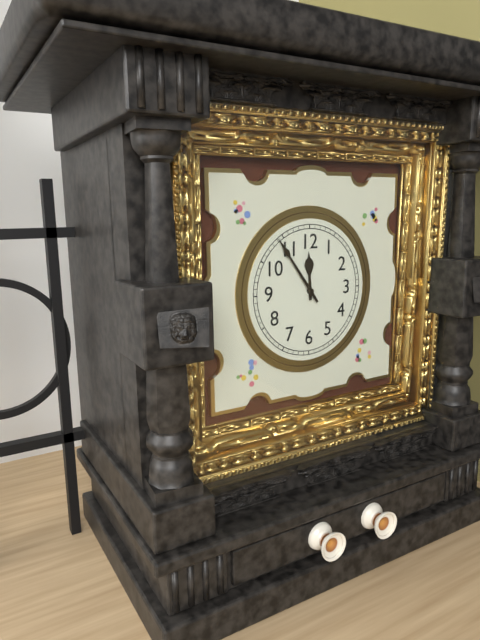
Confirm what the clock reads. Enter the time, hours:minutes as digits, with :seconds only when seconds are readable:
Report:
11:54
